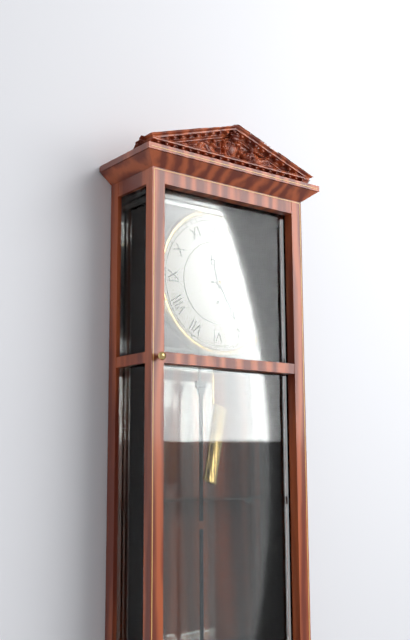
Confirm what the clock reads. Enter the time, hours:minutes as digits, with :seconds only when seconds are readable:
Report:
11:25:14
